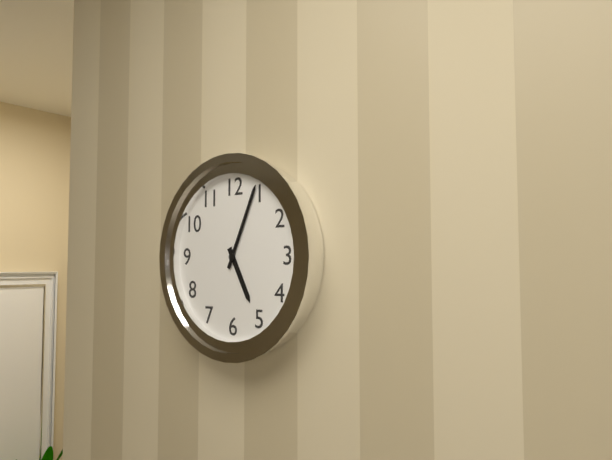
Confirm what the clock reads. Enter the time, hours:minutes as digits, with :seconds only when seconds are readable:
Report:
5:04
